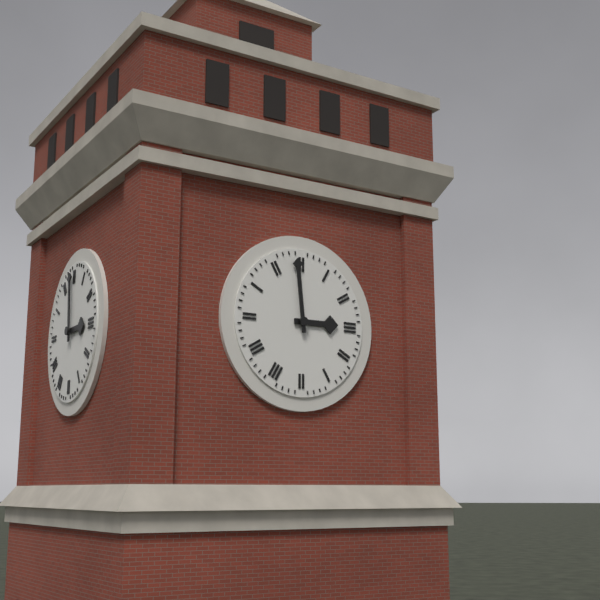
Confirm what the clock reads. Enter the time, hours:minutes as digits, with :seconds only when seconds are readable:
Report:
2:59
